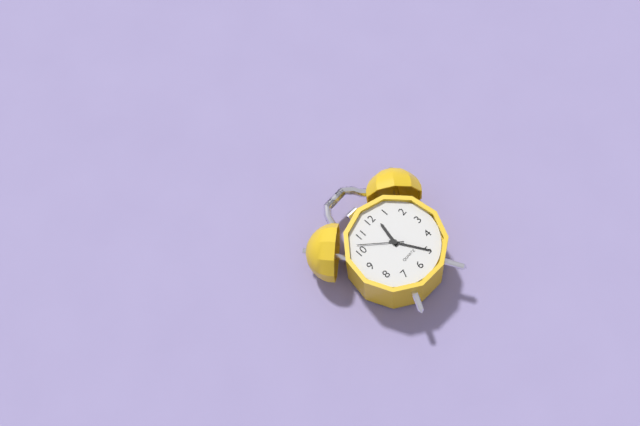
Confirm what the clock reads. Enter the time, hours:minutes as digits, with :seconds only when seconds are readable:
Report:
12:25
